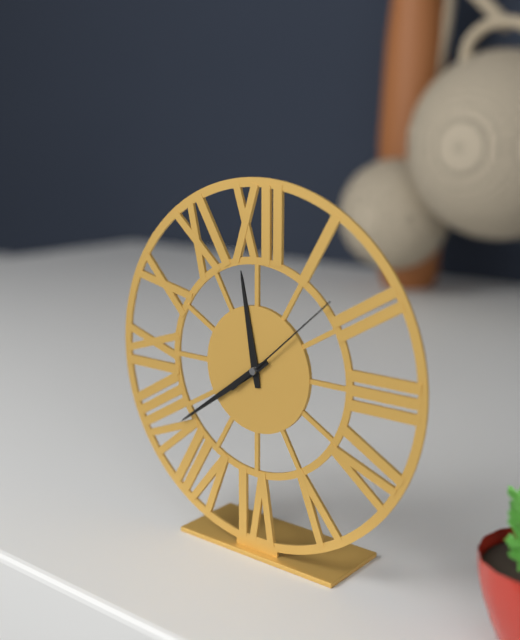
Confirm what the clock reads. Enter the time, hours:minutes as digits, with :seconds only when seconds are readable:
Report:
11:39:08
